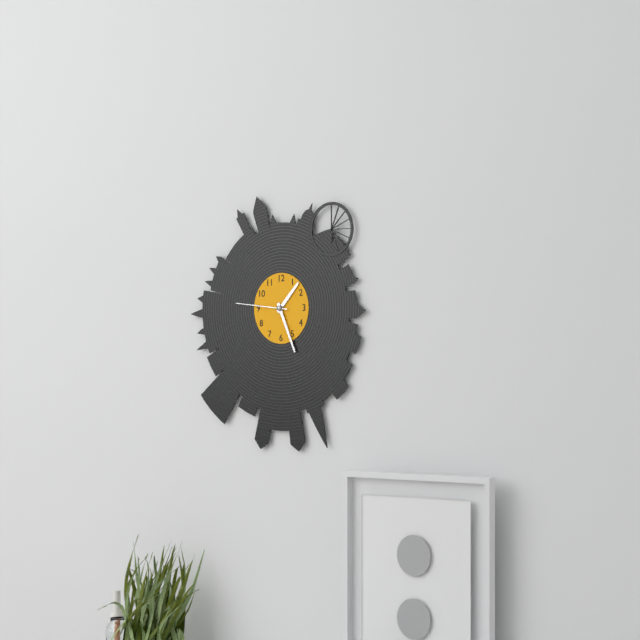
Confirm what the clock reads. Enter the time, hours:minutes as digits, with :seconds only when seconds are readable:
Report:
1:26:46
